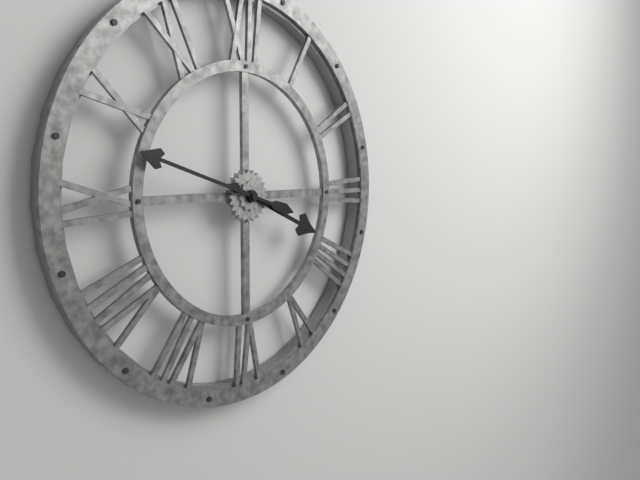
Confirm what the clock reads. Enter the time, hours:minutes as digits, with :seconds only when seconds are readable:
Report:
3:48
